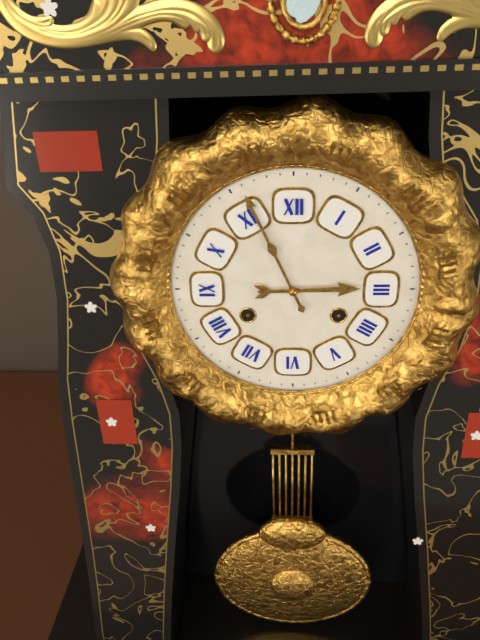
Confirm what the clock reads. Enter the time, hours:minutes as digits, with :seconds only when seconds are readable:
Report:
2:56
